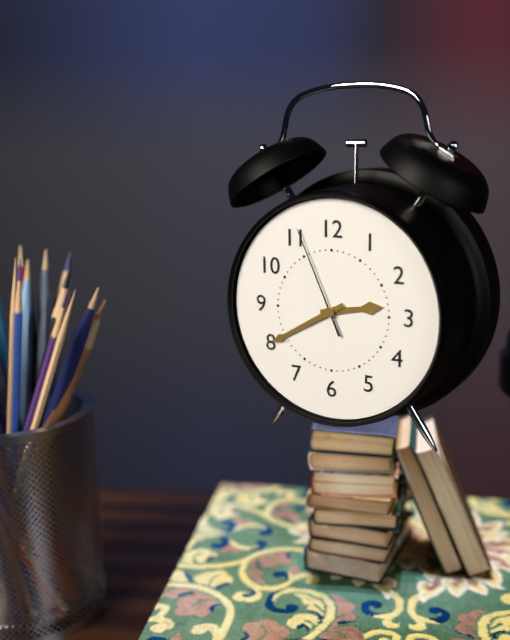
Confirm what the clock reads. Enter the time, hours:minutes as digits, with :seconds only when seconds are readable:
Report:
2:40:56
